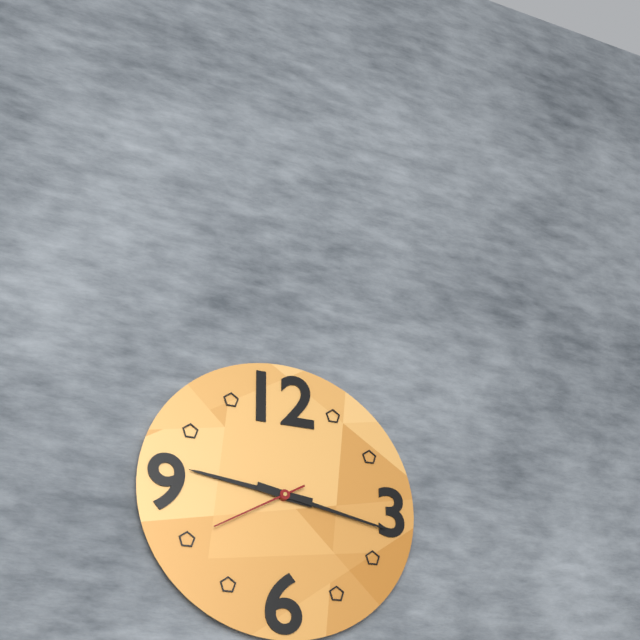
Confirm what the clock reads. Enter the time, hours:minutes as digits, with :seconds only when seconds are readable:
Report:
9:17:40
